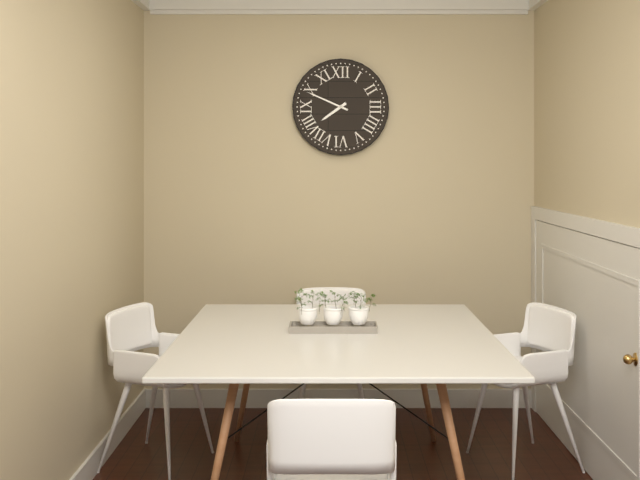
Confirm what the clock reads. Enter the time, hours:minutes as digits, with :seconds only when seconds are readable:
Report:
7:49
